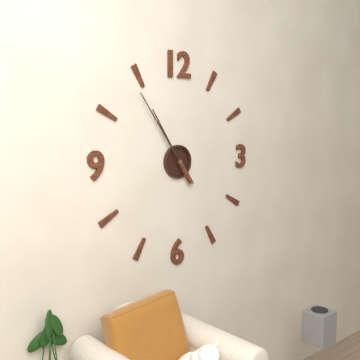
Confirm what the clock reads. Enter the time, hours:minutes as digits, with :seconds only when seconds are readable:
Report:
10:54
